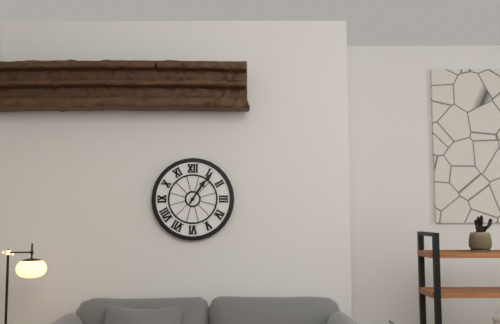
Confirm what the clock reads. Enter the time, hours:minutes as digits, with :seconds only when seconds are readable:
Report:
1:06
